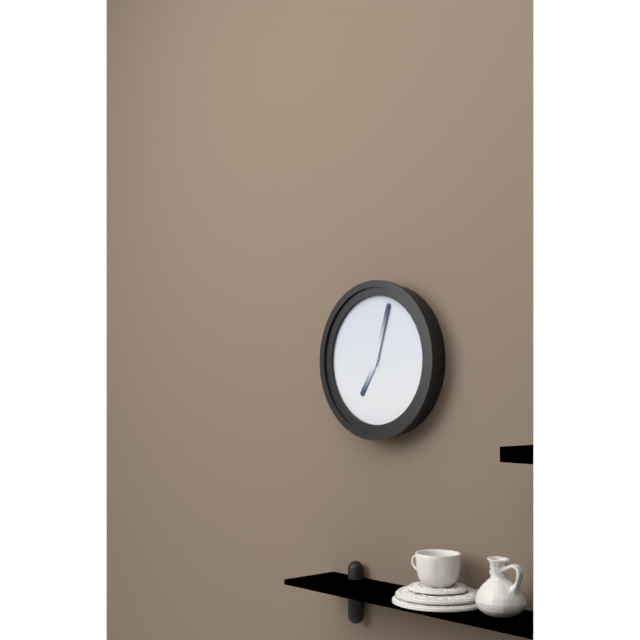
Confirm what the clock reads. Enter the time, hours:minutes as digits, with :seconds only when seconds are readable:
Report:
7:03
